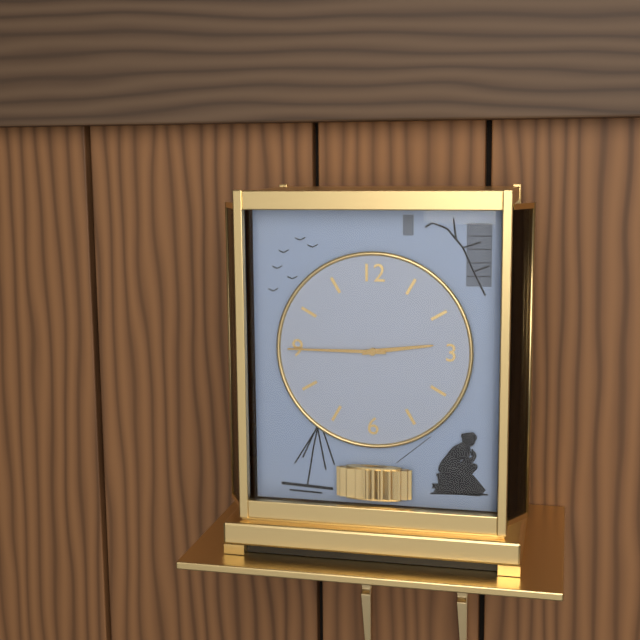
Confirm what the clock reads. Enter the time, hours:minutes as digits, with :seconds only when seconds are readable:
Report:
2:45
